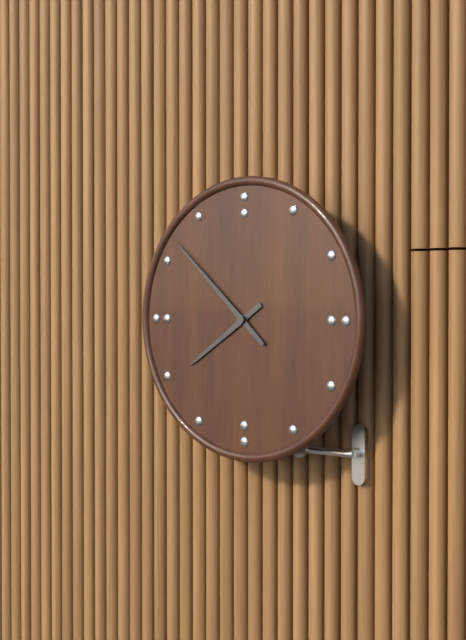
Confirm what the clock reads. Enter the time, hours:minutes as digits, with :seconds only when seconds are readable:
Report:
7:52
